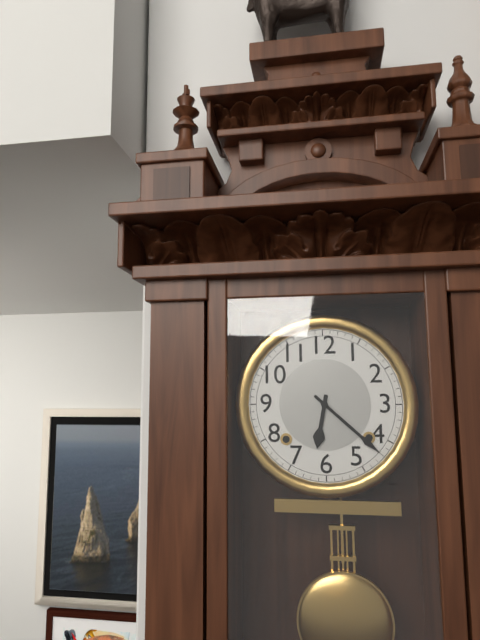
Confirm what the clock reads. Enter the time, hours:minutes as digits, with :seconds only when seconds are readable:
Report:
6:22
